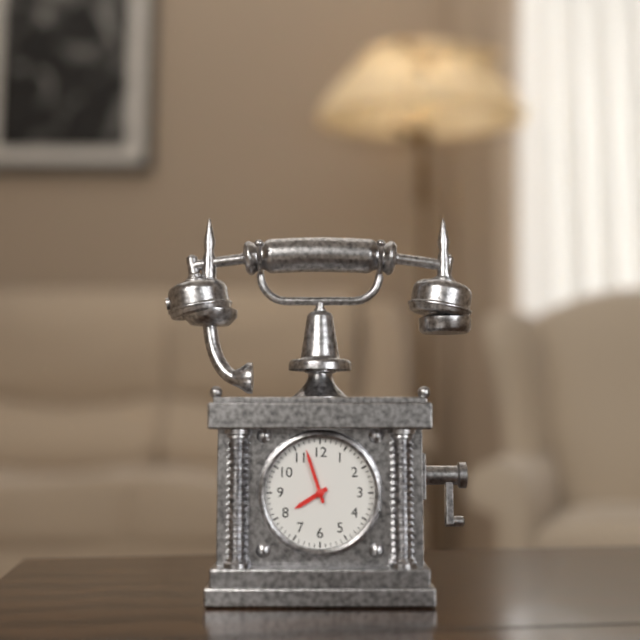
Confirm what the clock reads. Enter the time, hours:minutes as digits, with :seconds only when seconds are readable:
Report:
7:57
